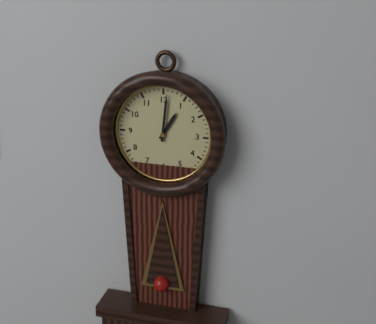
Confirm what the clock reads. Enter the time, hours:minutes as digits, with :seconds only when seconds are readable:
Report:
1:01
